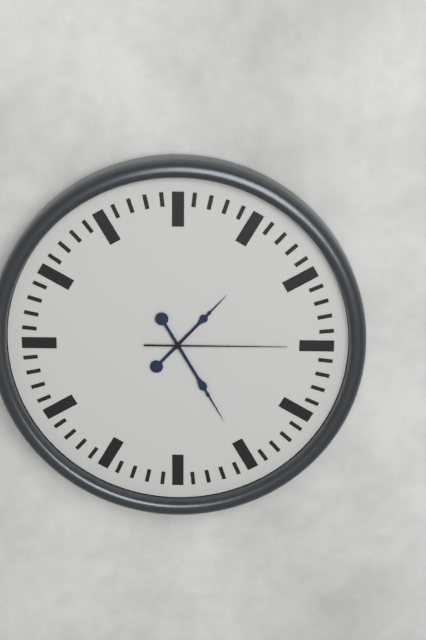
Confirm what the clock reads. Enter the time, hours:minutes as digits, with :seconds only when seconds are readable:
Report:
1:25:15
